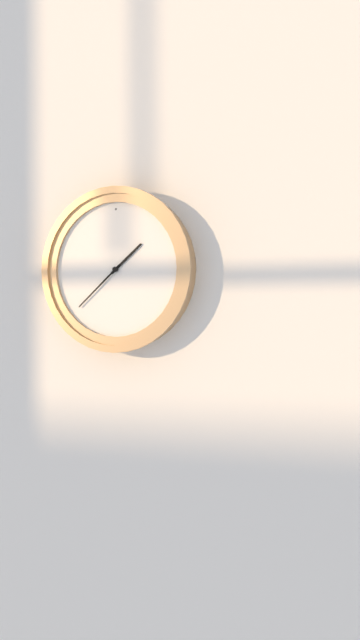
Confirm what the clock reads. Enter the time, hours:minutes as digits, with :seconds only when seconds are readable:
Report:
1:38
